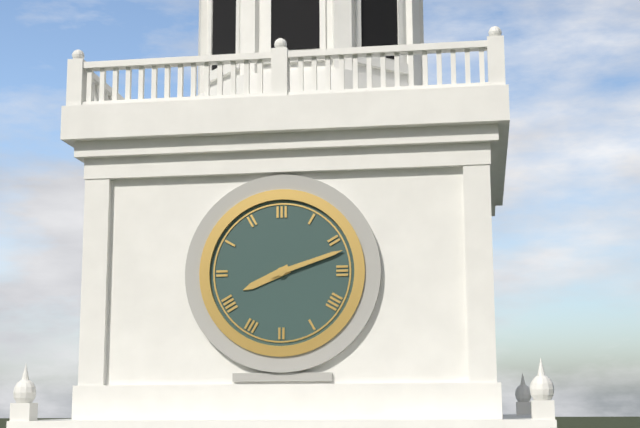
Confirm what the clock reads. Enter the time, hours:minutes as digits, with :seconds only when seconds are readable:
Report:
8:12
